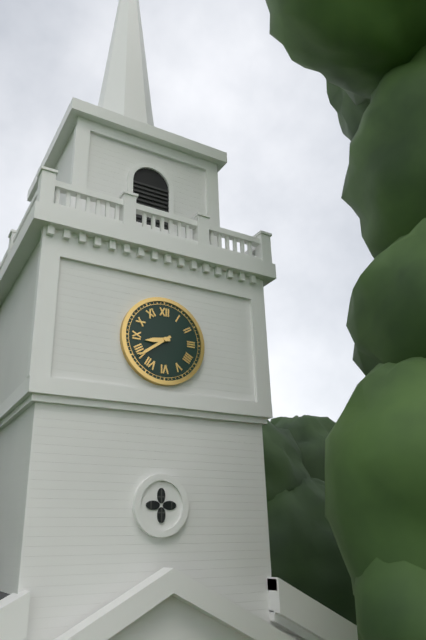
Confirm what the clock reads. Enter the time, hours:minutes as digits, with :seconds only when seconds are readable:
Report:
8:39
